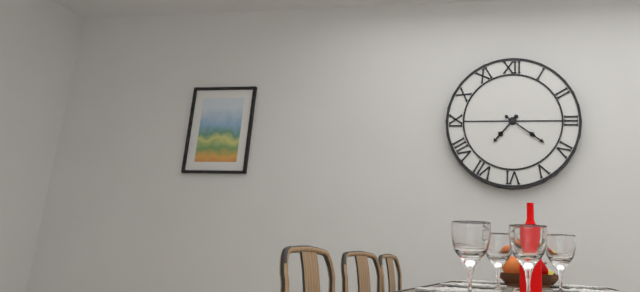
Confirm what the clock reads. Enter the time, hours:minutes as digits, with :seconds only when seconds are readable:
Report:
7:21
